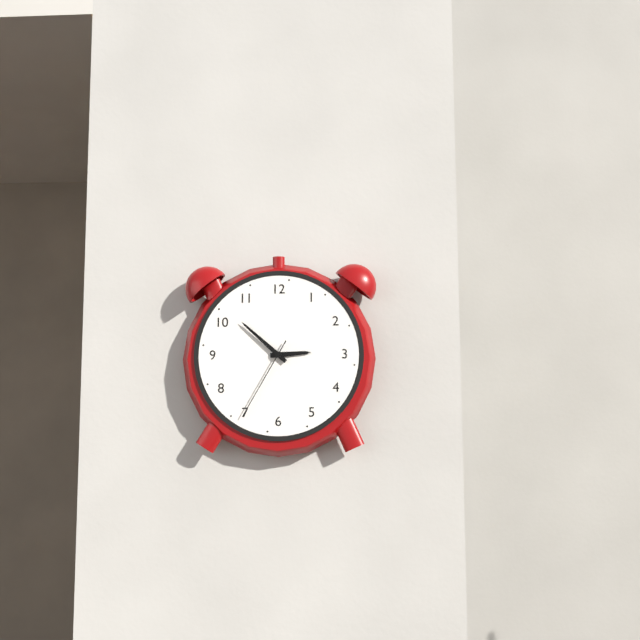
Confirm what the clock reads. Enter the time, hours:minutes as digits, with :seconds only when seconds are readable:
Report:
2:52:35
